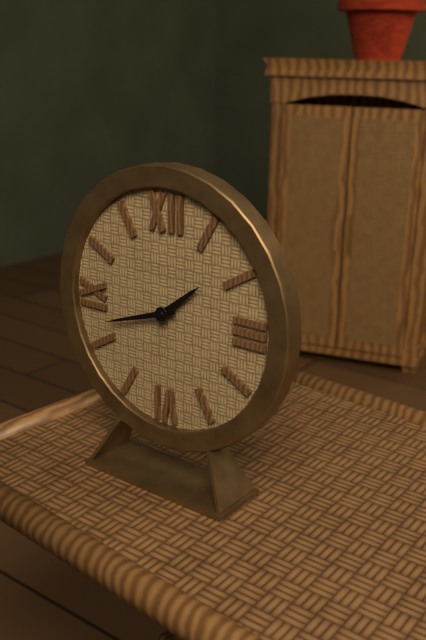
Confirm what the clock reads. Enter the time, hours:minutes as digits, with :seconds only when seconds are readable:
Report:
1:42
